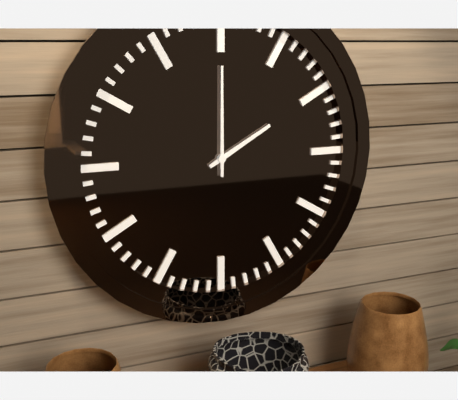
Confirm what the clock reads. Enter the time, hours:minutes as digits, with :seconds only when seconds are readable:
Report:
2:00
